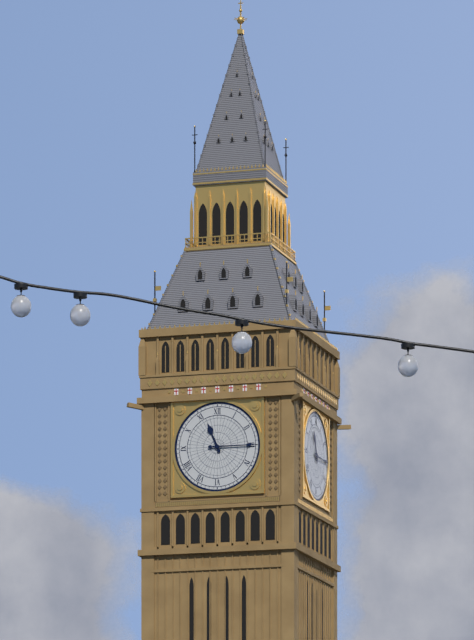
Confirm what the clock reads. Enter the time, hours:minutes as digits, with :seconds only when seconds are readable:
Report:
11:15
